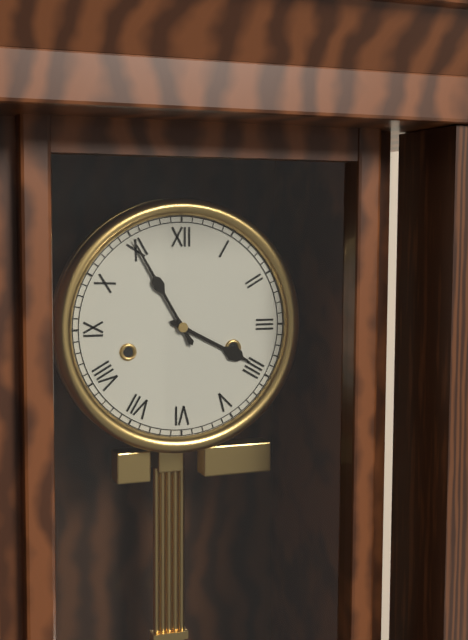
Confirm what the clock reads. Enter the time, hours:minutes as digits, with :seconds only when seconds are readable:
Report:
3:55
